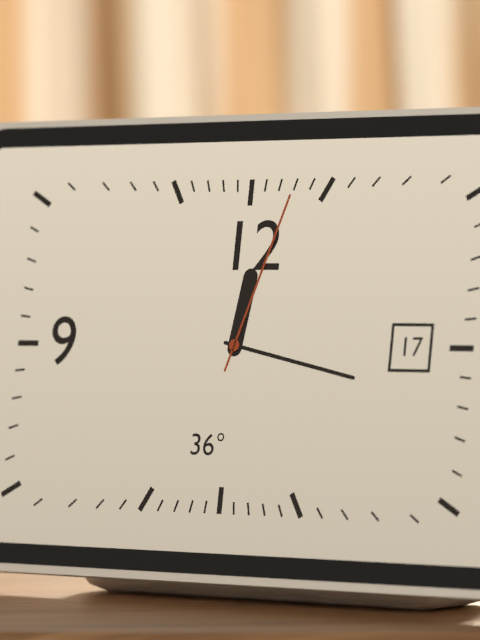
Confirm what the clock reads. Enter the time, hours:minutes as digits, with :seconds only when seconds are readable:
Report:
12:17:03
